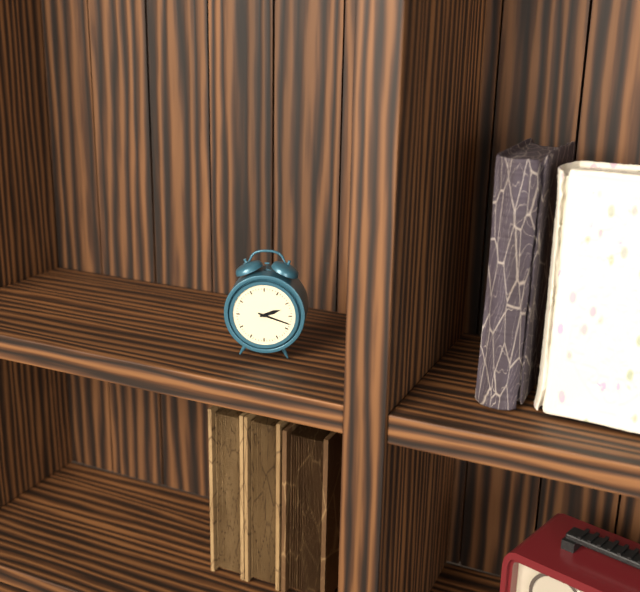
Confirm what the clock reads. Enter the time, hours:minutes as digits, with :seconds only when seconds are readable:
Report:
2:18
